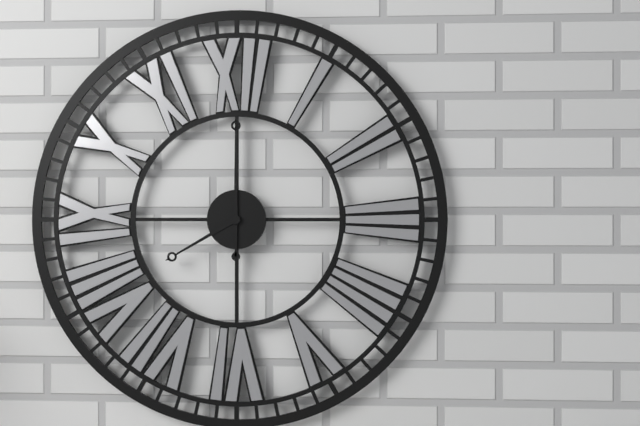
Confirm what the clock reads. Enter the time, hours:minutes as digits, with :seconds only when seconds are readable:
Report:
8:00
